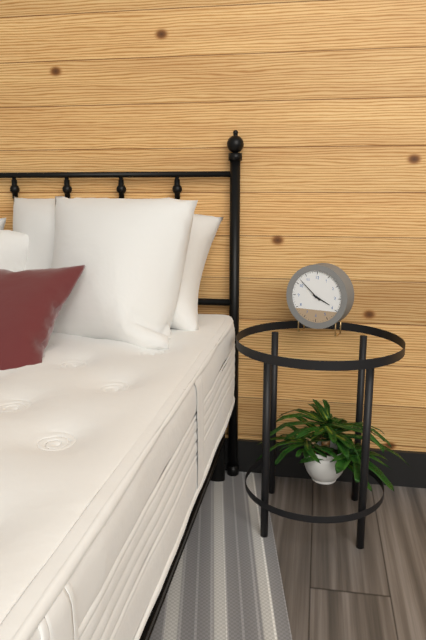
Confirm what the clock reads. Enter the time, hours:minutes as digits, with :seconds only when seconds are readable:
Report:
3:52
